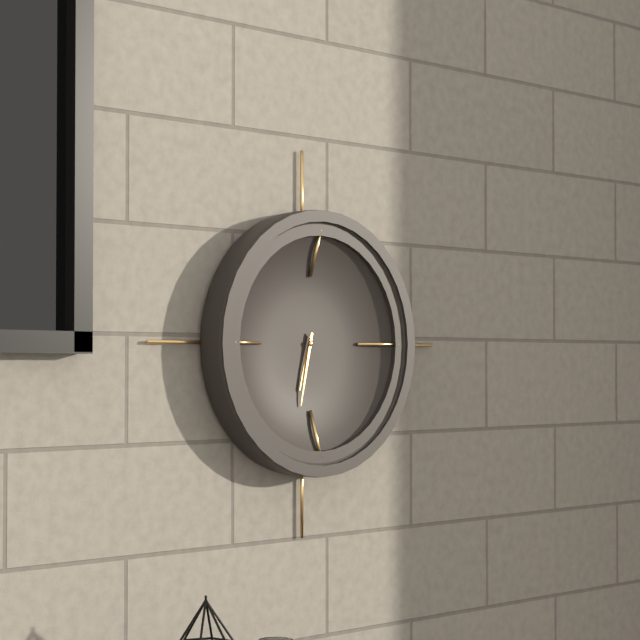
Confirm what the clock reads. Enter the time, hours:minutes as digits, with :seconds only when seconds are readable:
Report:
6:32
